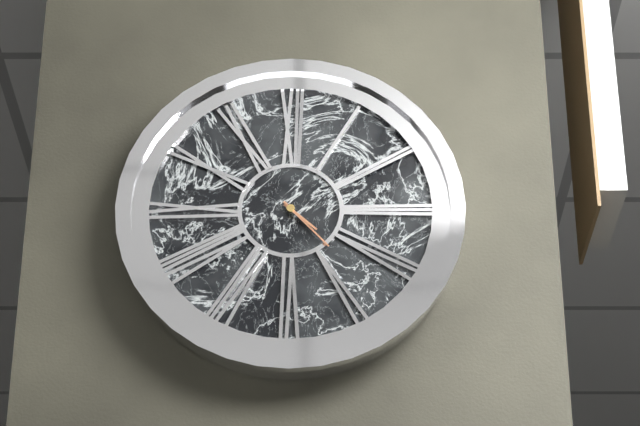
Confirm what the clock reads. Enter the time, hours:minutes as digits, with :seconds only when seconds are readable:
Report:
4:23
